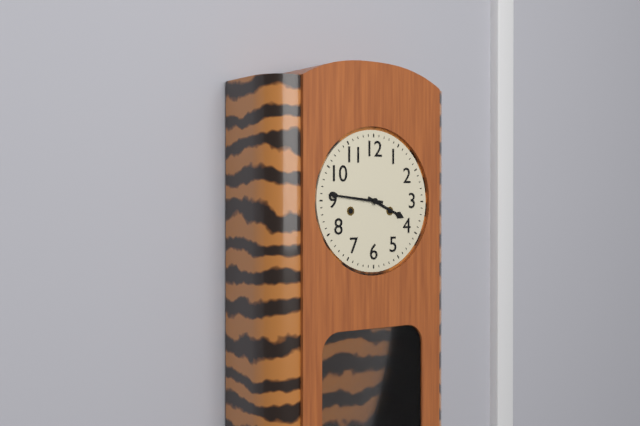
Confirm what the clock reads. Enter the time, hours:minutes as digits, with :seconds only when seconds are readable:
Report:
3:46
